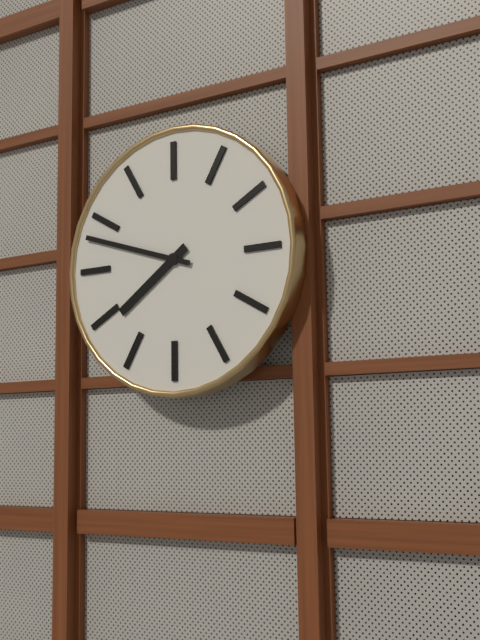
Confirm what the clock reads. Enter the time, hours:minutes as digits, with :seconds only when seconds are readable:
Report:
7:48
